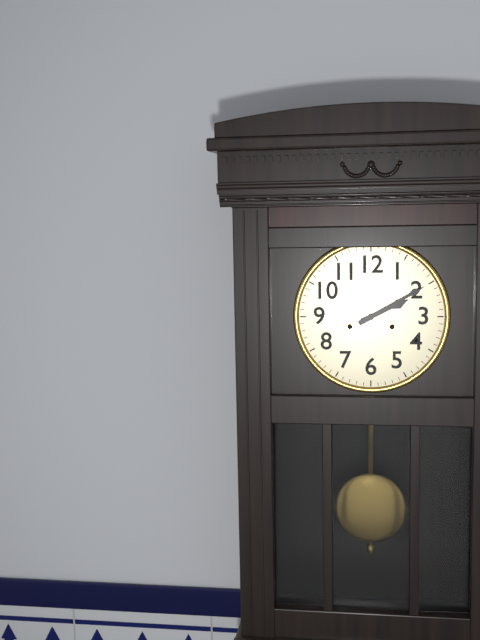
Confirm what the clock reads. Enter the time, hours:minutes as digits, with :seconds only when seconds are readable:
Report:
2:10
